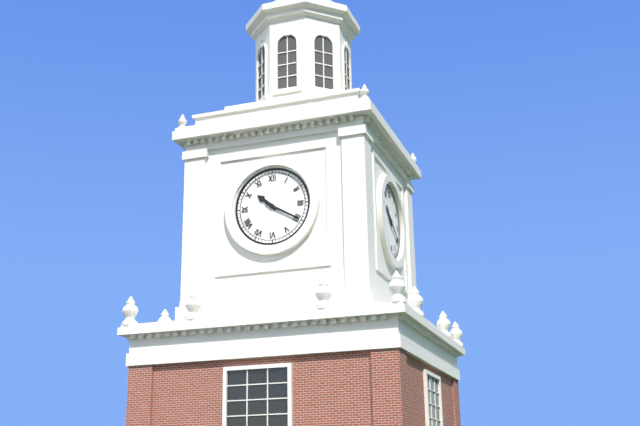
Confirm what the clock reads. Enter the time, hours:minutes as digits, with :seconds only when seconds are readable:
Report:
10:20
